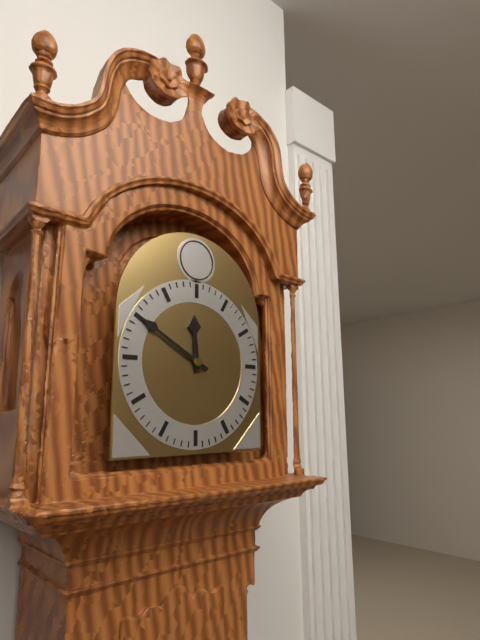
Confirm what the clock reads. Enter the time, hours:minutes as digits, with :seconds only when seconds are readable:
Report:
11:50
